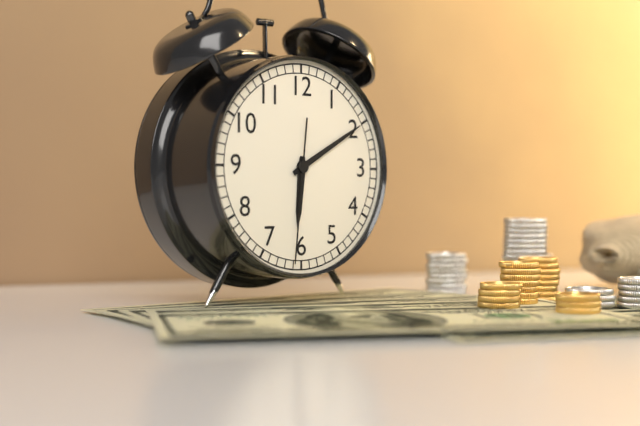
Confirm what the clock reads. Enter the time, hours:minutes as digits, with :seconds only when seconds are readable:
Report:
6:10:31
